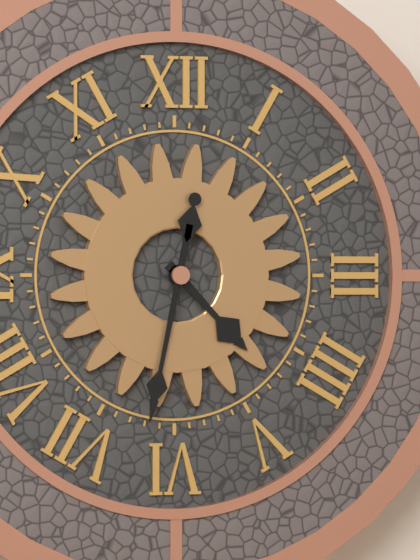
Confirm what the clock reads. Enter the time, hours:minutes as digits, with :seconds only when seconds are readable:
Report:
4:32
